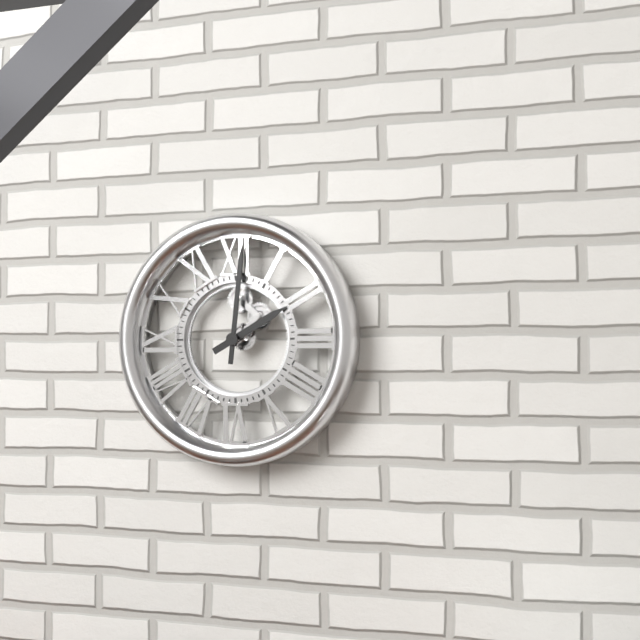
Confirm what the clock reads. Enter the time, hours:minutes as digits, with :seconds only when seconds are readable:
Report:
2:01
